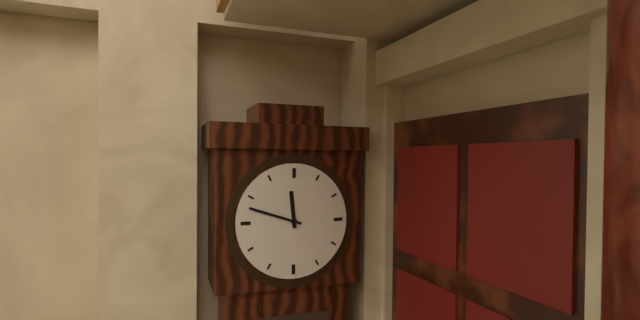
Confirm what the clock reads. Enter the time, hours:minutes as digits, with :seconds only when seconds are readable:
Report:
11:48
